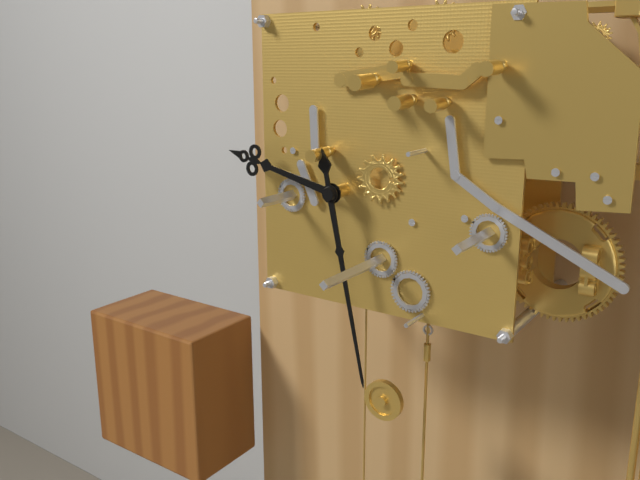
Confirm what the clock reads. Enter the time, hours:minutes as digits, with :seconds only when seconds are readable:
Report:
9:28
